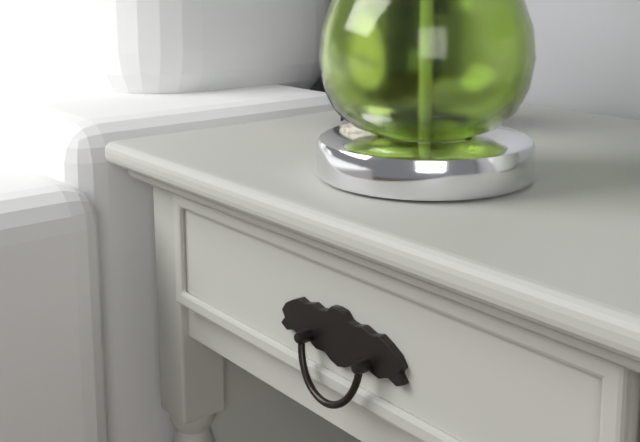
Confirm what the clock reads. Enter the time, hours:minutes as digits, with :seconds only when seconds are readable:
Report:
9:16
